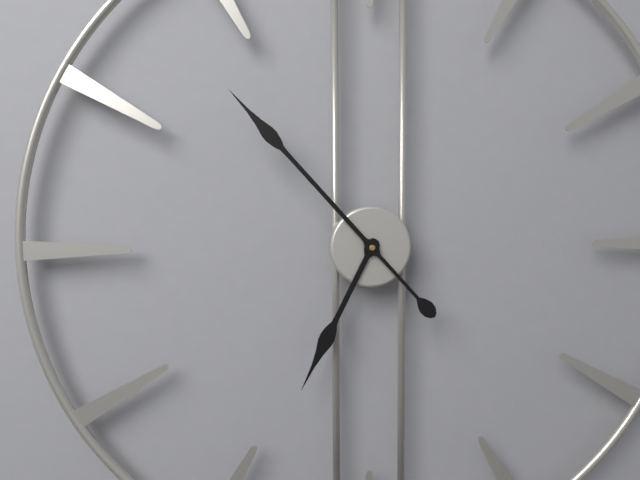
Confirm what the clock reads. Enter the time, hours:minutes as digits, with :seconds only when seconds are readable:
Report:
6:53
